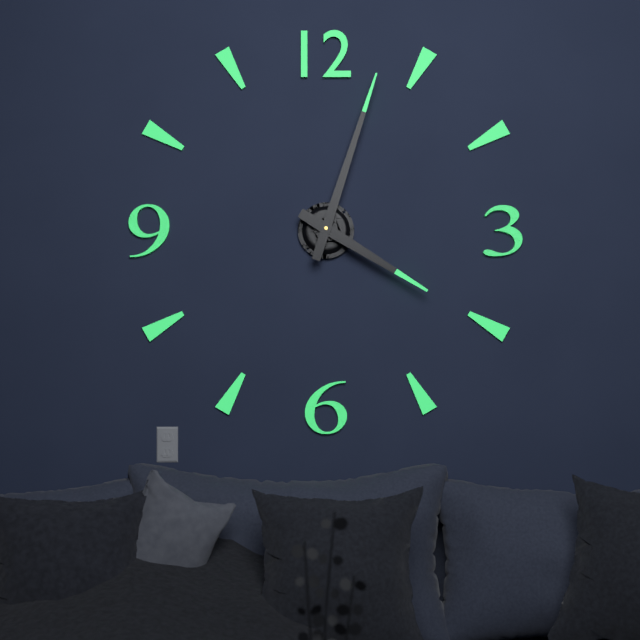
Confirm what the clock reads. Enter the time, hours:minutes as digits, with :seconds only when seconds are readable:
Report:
4:03
